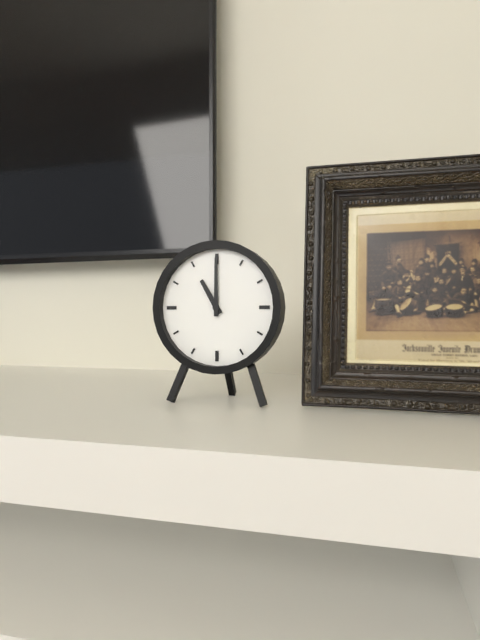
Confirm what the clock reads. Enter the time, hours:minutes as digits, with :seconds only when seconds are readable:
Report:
11:00
